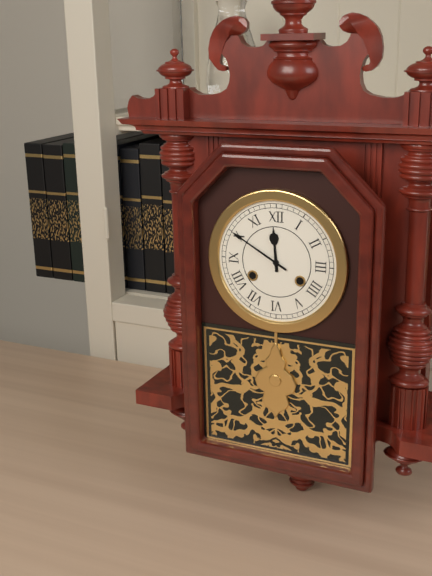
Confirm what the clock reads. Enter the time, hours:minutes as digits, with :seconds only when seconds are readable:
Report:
11:50
